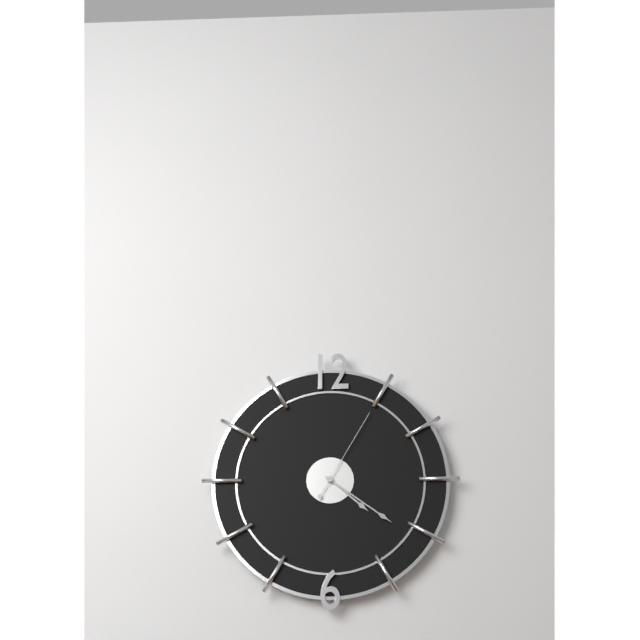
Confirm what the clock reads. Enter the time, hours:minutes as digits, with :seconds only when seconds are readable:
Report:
4:21:05
